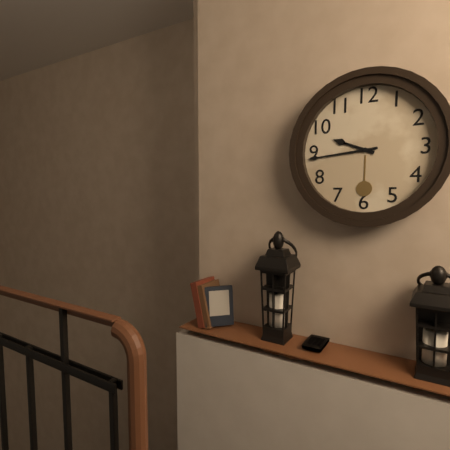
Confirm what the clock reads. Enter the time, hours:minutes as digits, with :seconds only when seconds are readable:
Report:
9:44
